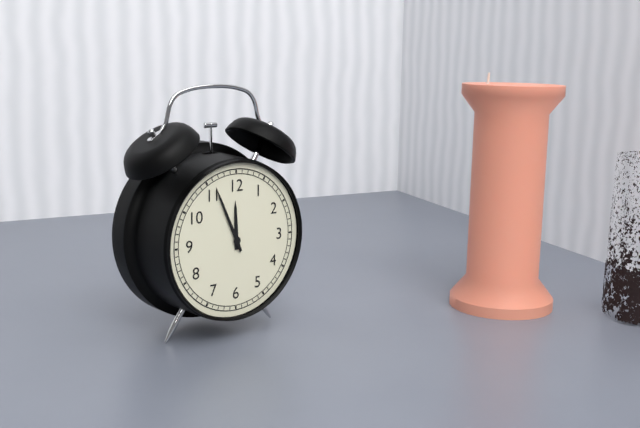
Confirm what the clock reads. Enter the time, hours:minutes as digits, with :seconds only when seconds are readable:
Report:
11:56
